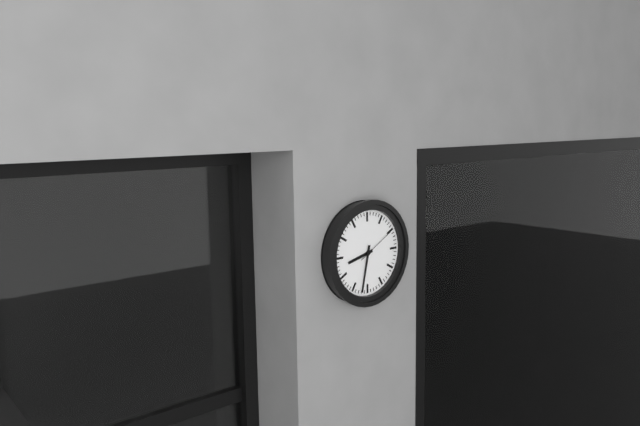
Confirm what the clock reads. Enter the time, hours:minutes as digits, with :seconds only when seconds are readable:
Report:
8:32
